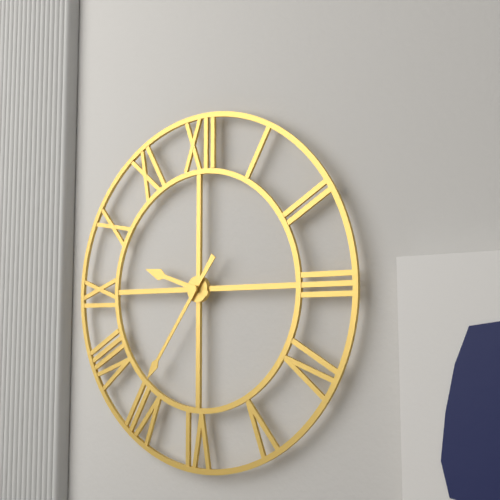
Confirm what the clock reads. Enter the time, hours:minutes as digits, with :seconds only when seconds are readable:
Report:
9:36
